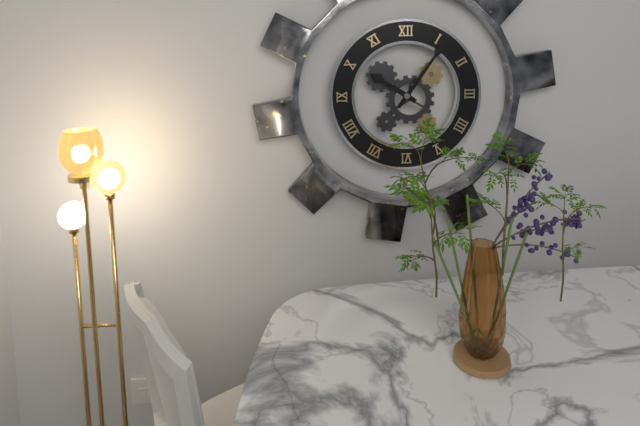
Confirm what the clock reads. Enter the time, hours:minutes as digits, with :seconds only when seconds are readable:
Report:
10:06
